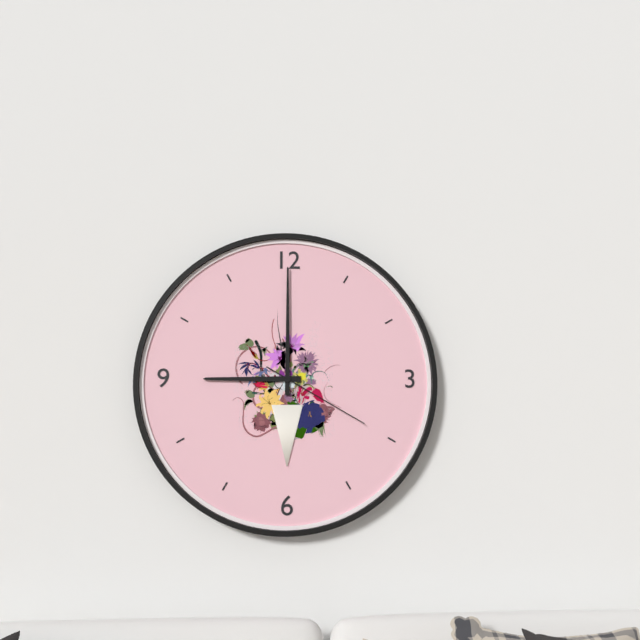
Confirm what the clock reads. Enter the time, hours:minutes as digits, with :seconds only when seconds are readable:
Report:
9:00:20
